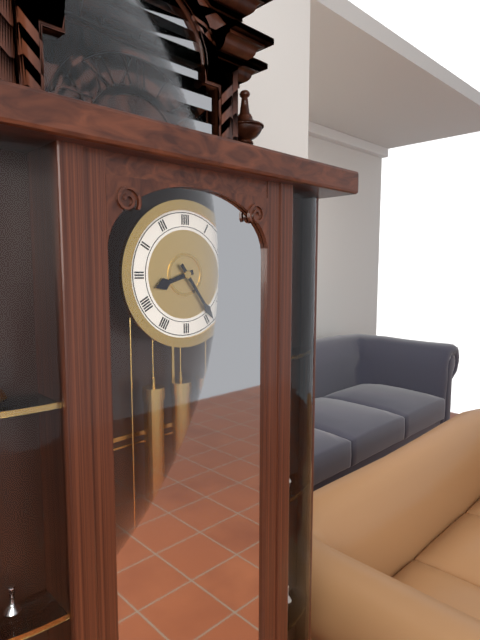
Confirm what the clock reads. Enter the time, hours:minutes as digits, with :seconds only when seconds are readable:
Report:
8:24
